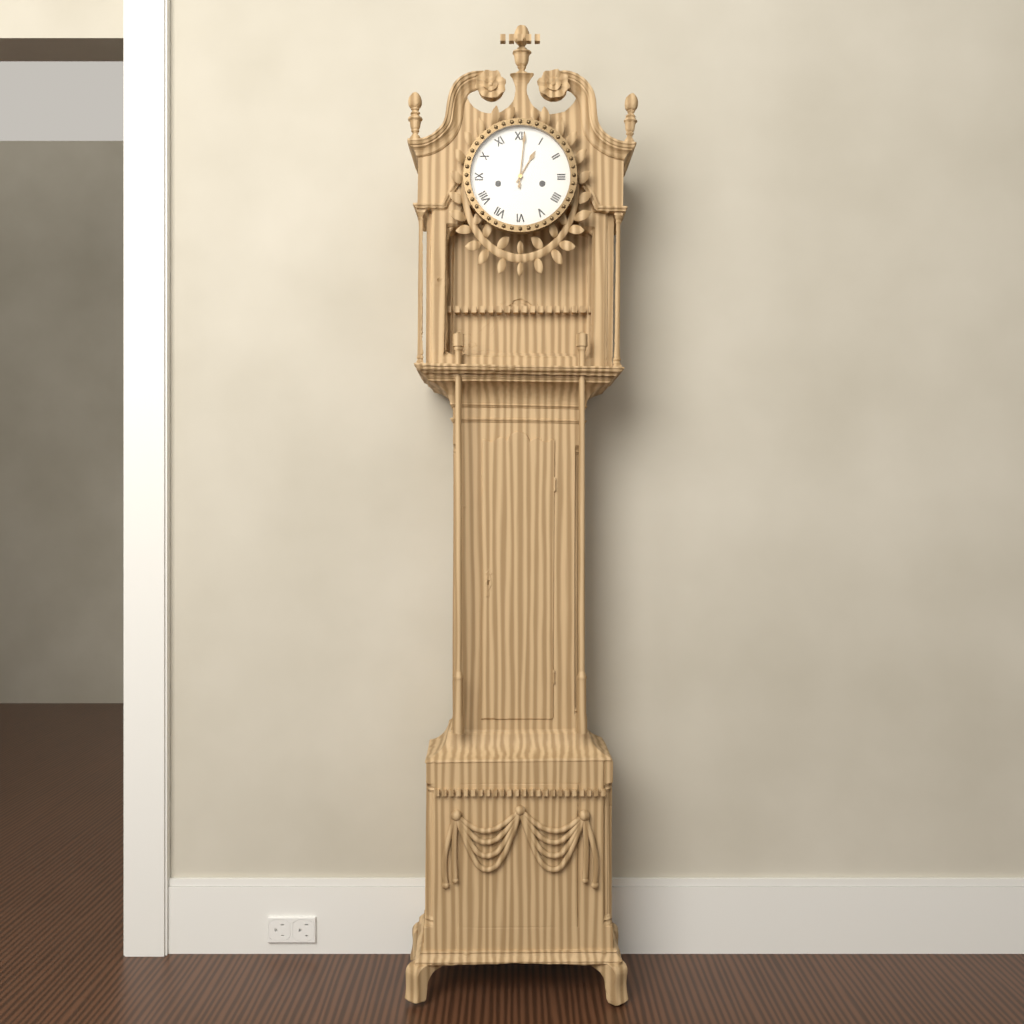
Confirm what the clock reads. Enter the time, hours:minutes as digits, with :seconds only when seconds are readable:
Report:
1:01
